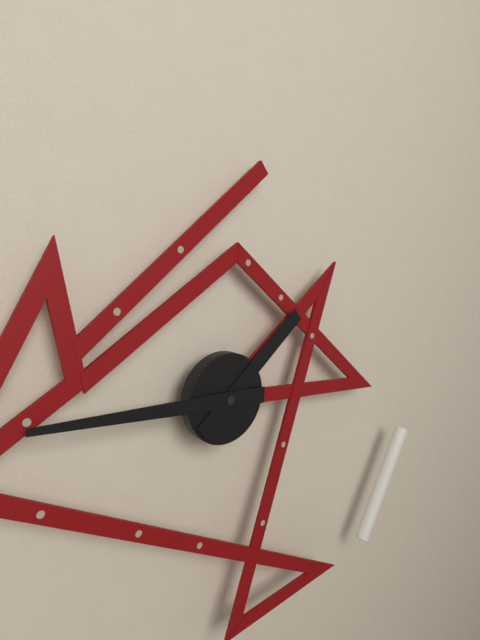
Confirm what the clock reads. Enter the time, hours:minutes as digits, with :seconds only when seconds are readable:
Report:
1:46
